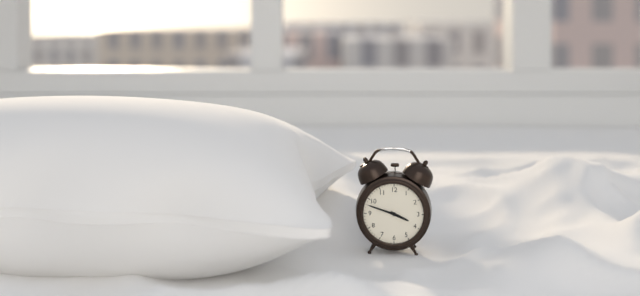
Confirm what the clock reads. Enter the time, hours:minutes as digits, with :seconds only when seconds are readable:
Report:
3:48
